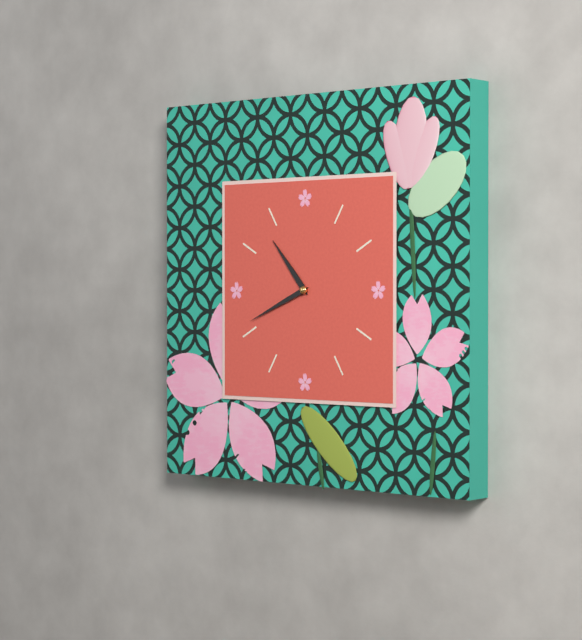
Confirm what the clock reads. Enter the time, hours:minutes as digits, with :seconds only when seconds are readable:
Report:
10:41
